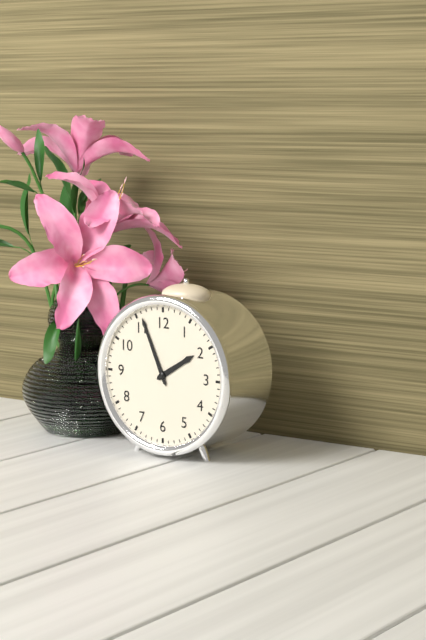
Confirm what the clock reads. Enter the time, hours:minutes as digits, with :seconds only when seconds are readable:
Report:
1:56
